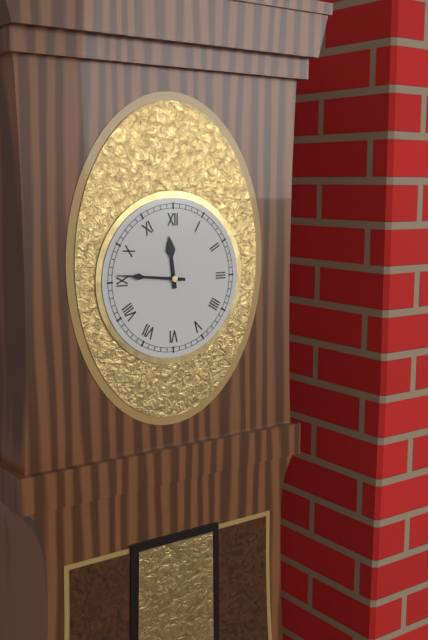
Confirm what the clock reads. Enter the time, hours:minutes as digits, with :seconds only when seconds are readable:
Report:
11:46
